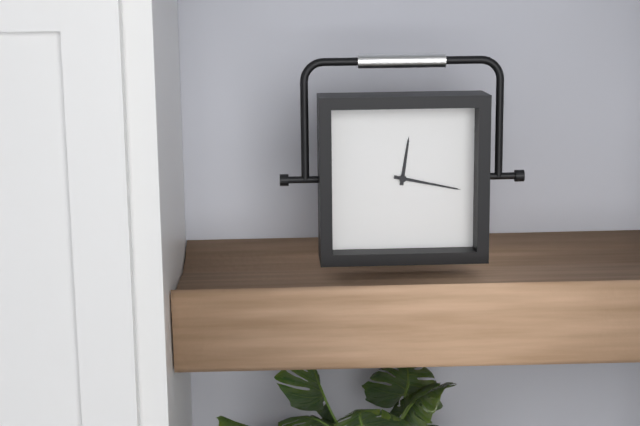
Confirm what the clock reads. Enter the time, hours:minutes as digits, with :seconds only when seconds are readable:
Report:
12:17
